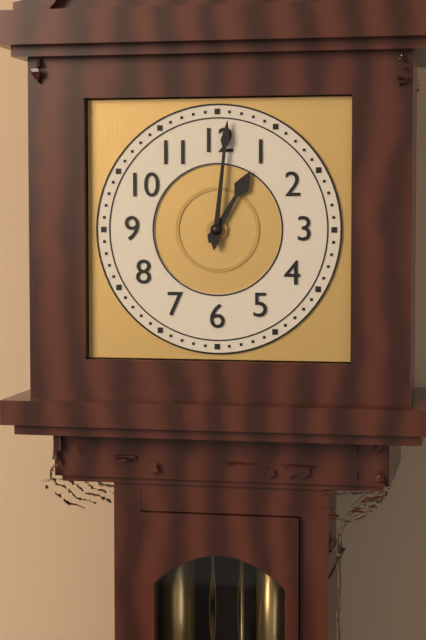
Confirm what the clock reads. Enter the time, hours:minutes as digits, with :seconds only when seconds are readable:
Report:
1:01
